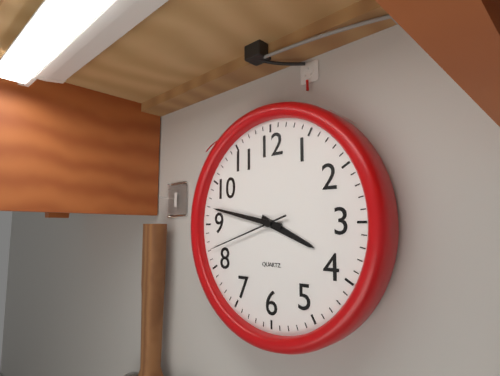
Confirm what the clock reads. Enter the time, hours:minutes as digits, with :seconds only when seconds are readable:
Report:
3:47:42
